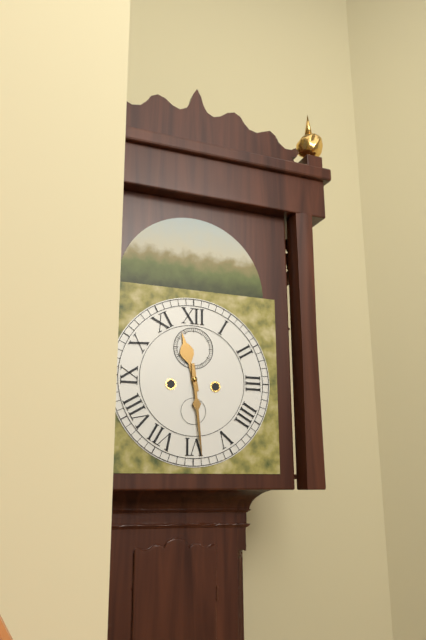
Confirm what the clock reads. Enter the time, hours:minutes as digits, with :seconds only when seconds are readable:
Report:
11:29
